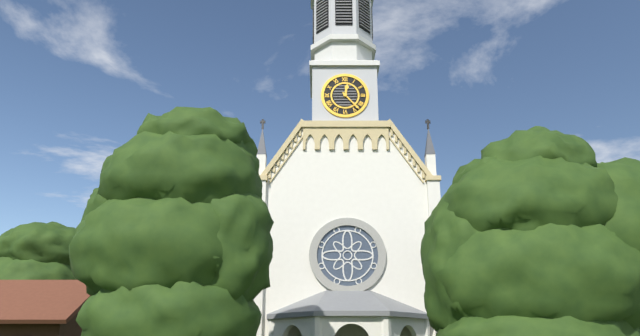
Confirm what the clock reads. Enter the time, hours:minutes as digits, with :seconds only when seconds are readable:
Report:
12:23
